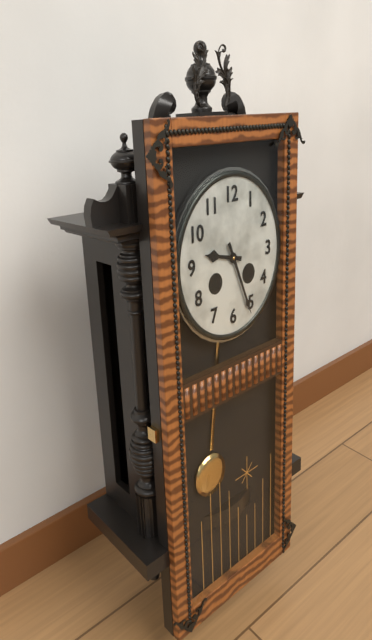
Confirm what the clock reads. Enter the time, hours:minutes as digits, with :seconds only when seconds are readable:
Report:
9:26
